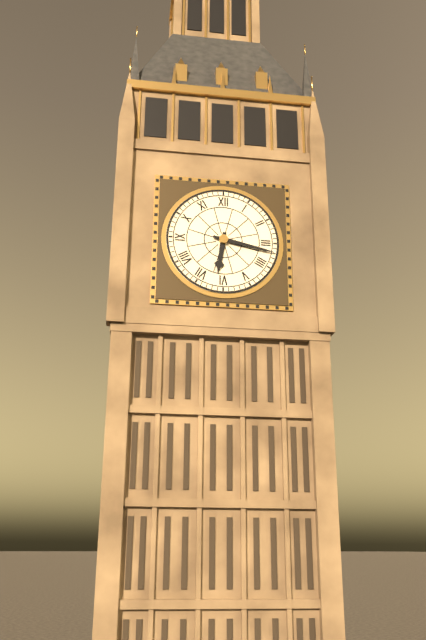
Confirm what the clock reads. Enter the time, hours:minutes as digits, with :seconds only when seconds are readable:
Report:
6:17
